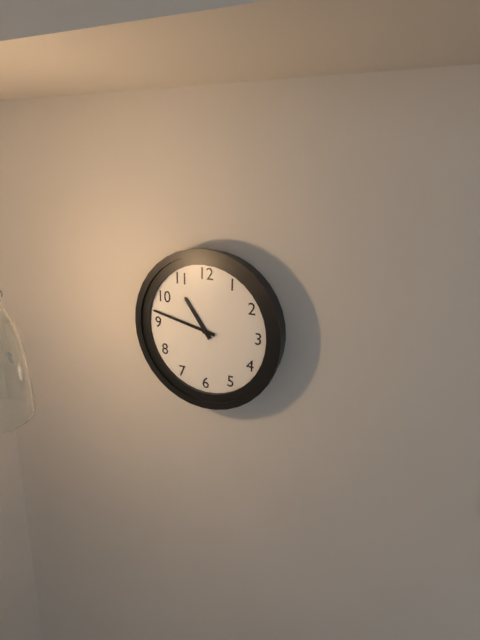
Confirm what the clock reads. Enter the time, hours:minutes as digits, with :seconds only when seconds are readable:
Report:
10:47
